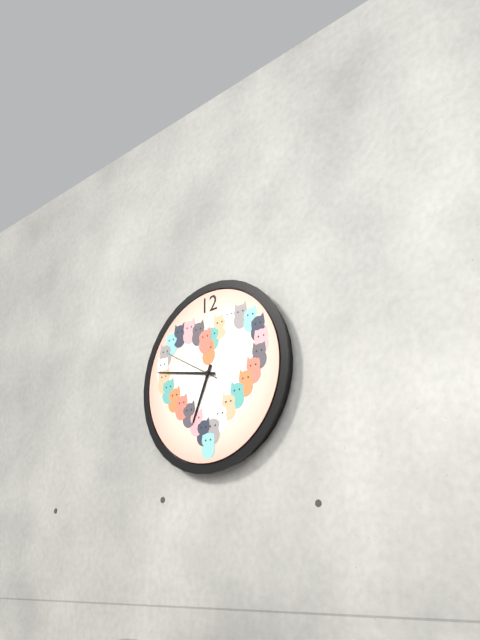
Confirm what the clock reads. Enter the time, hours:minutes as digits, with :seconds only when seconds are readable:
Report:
6:47:50
